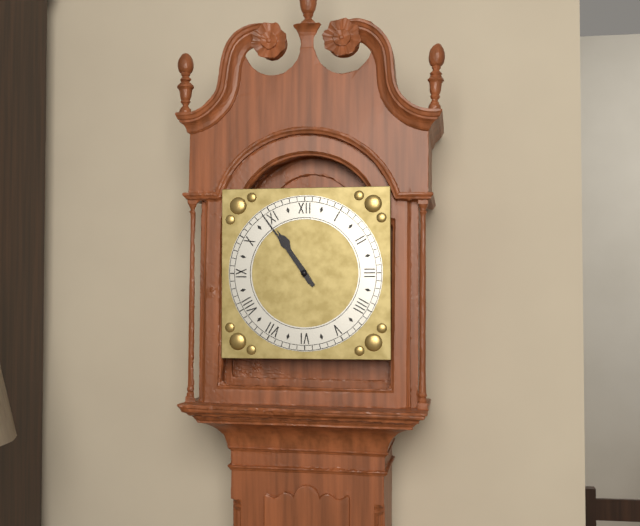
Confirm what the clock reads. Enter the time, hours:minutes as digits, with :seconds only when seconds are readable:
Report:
10:54
